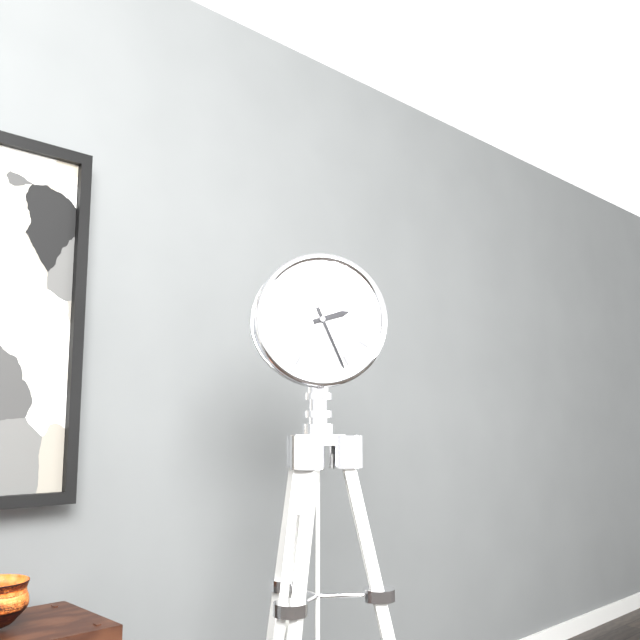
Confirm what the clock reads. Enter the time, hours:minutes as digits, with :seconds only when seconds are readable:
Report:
2:26
